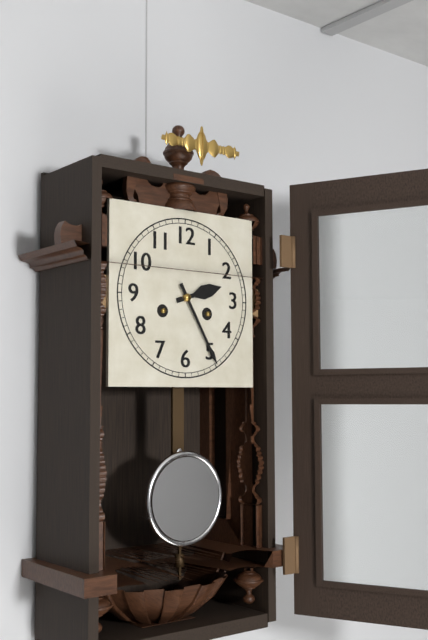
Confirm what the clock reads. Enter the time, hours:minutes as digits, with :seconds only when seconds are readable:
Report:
2:25
